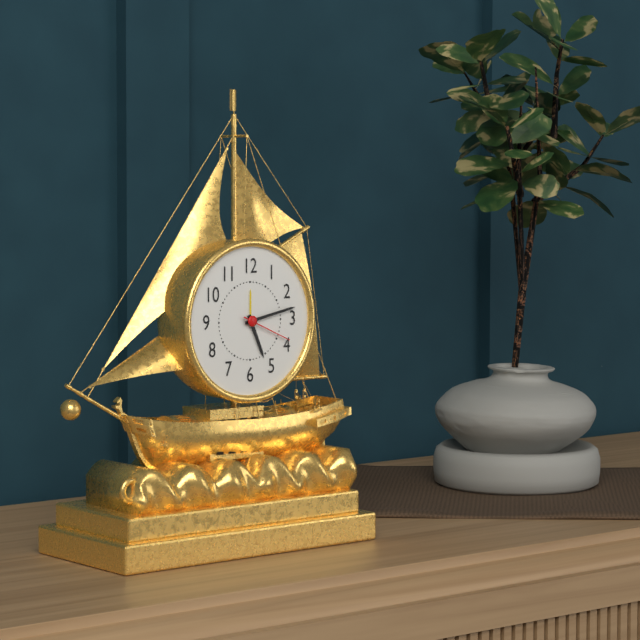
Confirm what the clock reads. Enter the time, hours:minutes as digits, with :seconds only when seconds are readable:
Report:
5:13:19
